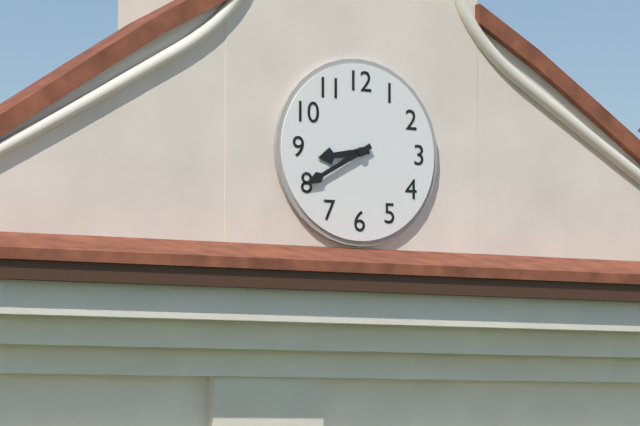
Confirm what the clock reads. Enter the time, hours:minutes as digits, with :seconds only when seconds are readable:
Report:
8:40
